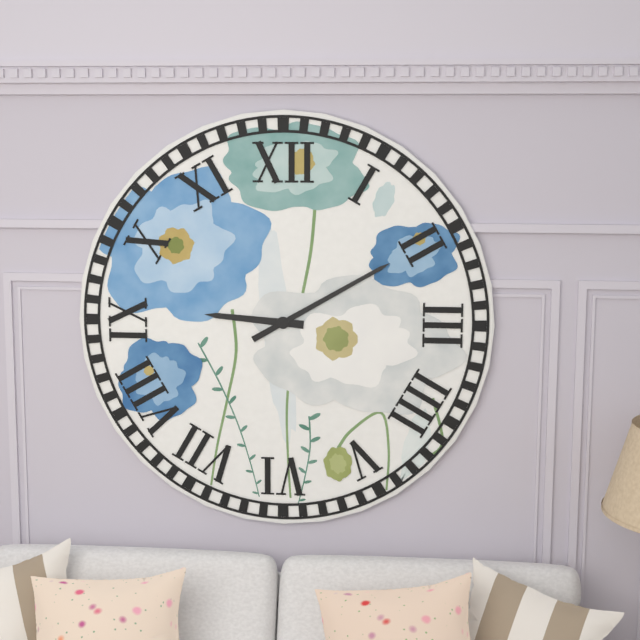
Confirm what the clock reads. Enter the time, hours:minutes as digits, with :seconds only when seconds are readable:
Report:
9:10
